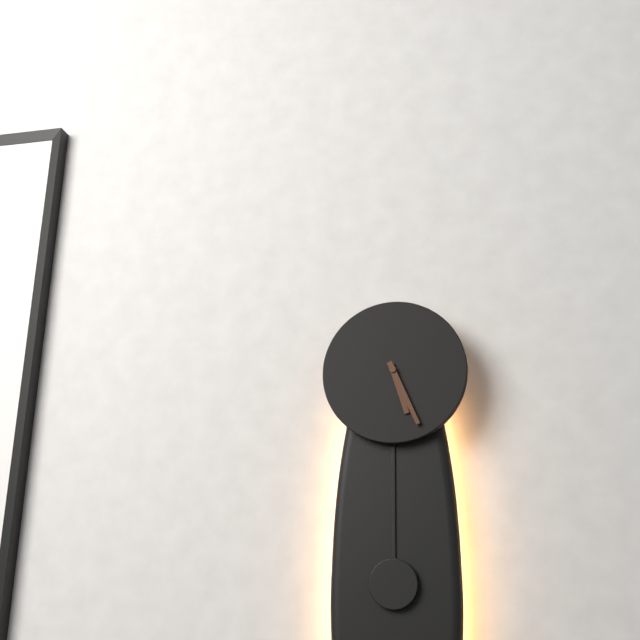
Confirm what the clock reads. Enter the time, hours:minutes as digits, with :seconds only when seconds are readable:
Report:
5:26
